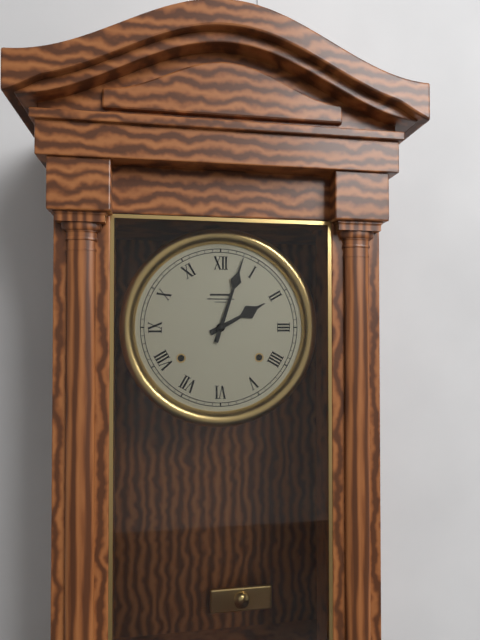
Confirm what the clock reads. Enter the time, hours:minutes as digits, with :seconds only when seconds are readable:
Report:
2:03
